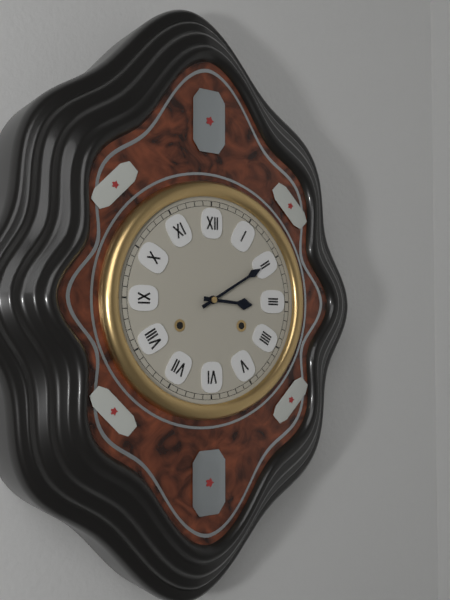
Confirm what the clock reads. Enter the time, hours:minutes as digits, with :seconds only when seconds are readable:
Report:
3:10
